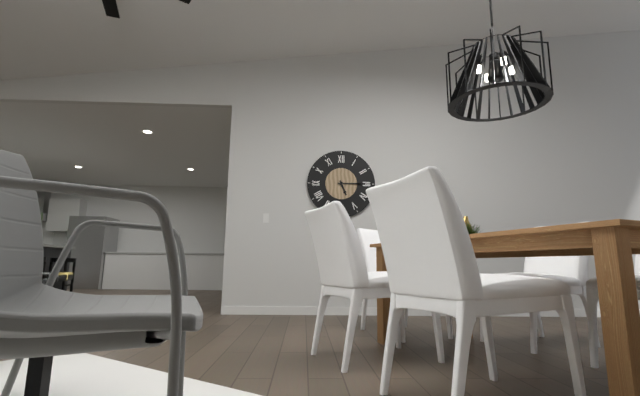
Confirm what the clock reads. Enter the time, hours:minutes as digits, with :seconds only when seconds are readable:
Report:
5:15
